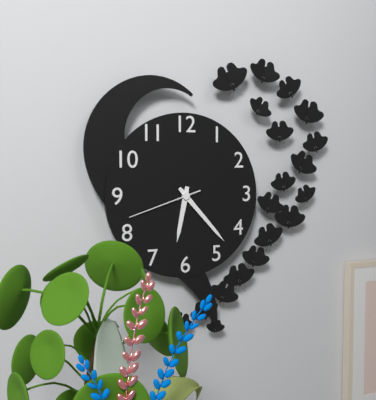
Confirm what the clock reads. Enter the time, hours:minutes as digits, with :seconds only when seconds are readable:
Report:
6:23:42
